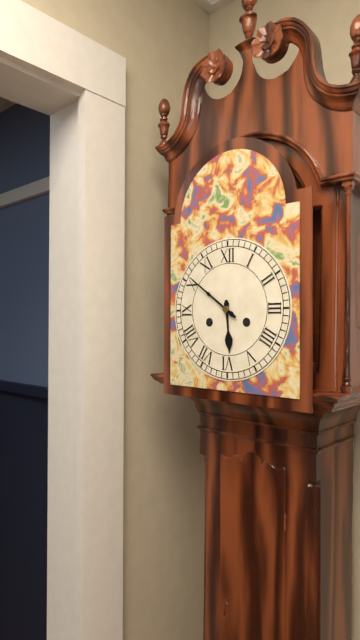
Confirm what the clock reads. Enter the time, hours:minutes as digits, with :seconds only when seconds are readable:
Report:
5:51
